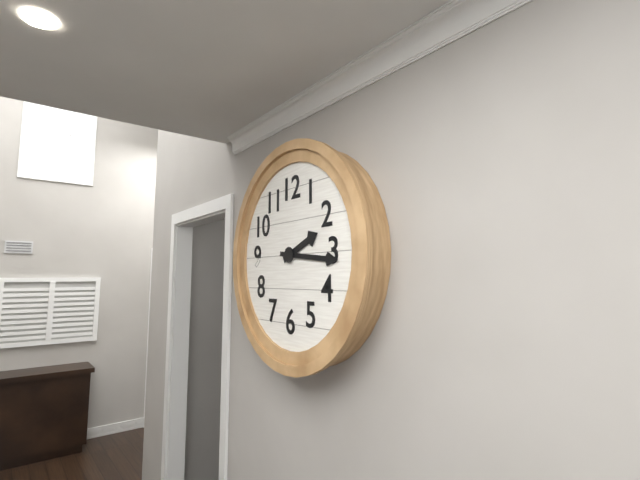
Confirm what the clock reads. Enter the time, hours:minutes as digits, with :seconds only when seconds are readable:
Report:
2:16
